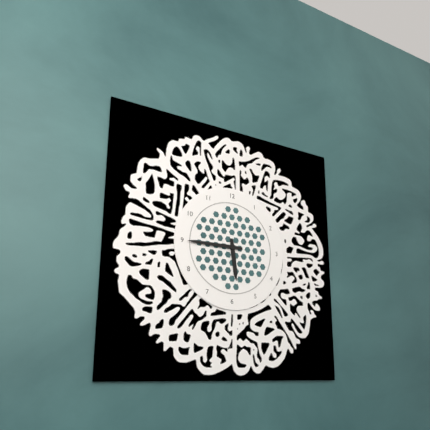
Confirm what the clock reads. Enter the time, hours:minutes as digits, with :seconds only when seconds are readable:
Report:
5:45
